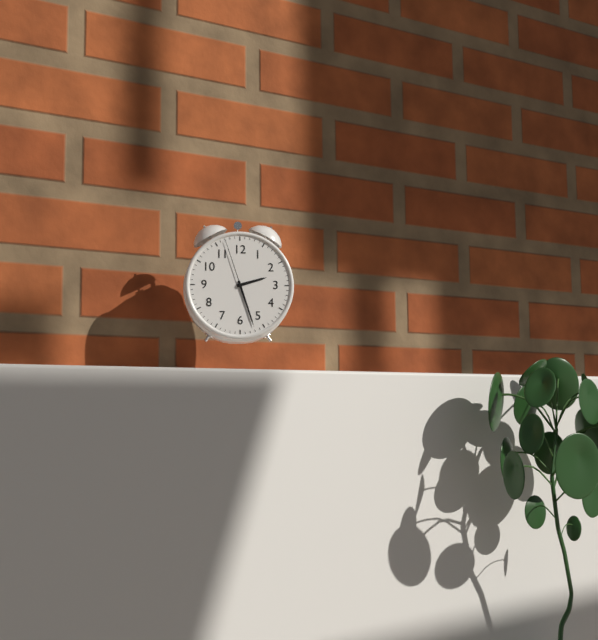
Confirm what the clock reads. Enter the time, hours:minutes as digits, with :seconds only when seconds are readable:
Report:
2:27:57
